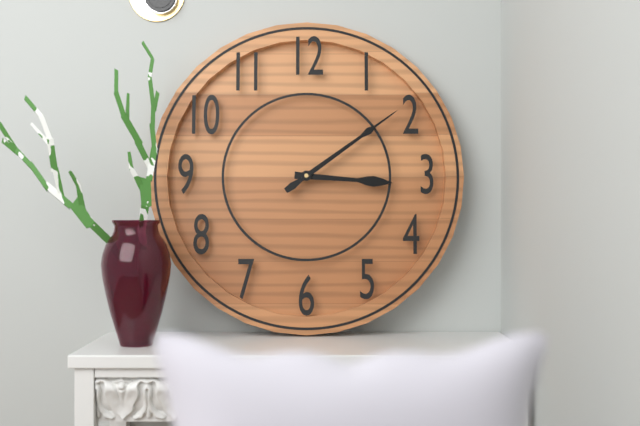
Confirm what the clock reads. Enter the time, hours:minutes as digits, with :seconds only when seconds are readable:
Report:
3:09
